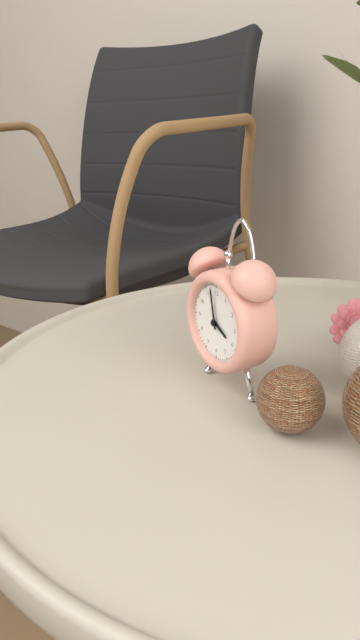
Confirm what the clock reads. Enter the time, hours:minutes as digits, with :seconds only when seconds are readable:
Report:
3:58
